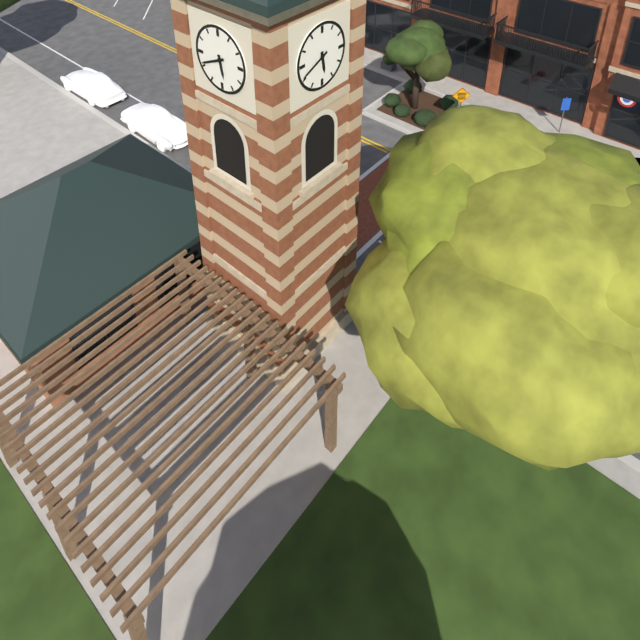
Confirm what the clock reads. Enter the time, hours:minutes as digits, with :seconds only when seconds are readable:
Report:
5:41
